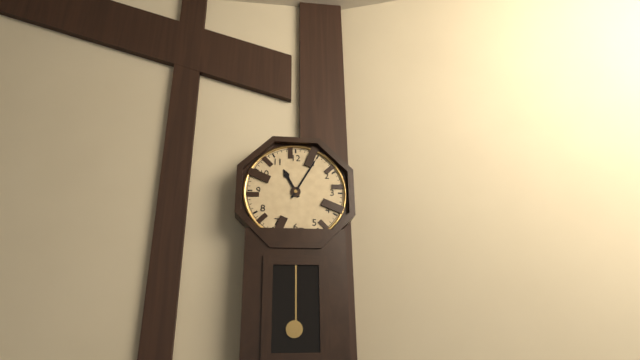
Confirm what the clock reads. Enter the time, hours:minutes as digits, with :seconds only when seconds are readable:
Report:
11:05
